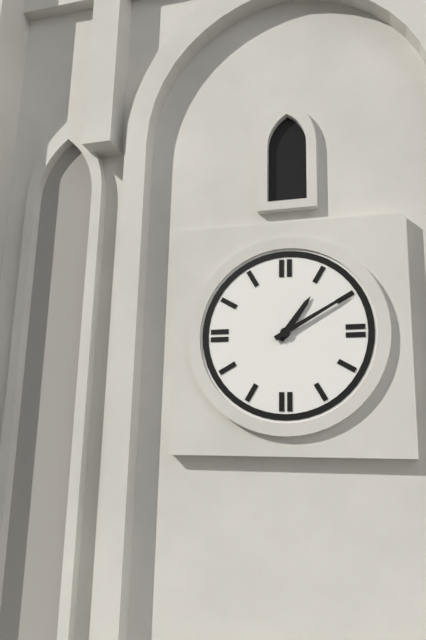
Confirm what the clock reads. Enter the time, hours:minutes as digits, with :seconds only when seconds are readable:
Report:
1:10
